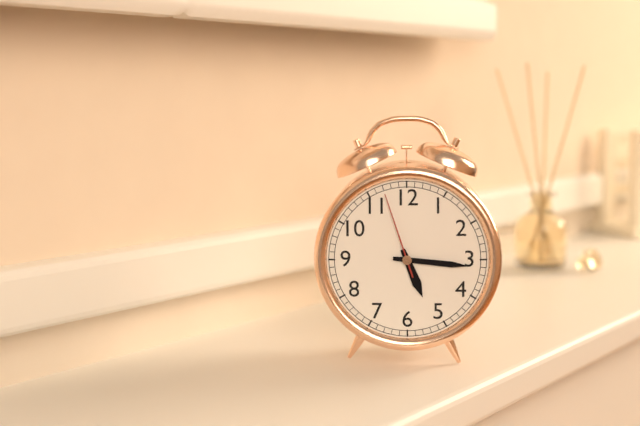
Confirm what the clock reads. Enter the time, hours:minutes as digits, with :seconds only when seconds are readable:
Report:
5:16:57
